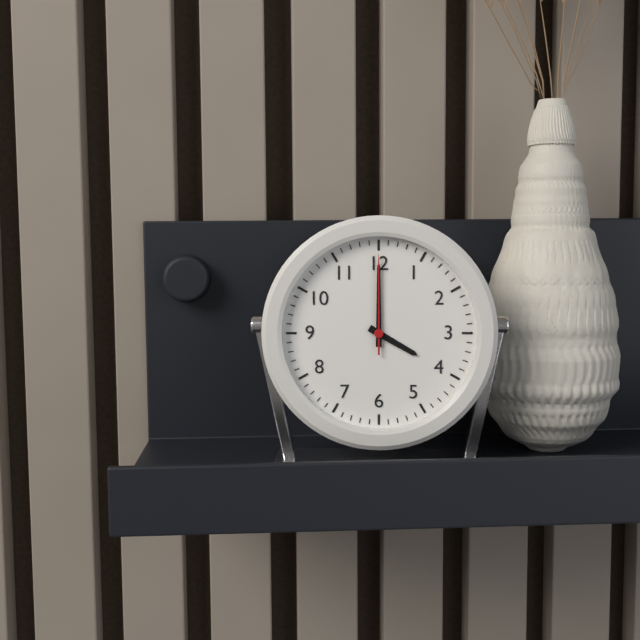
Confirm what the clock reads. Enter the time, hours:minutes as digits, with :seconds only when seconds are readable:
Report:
4:00:00
